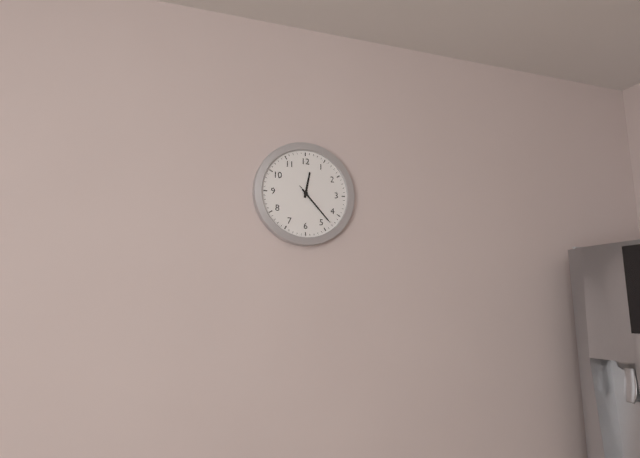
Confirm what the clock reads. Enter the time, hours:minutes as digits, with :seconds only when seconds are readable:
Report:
12:23
